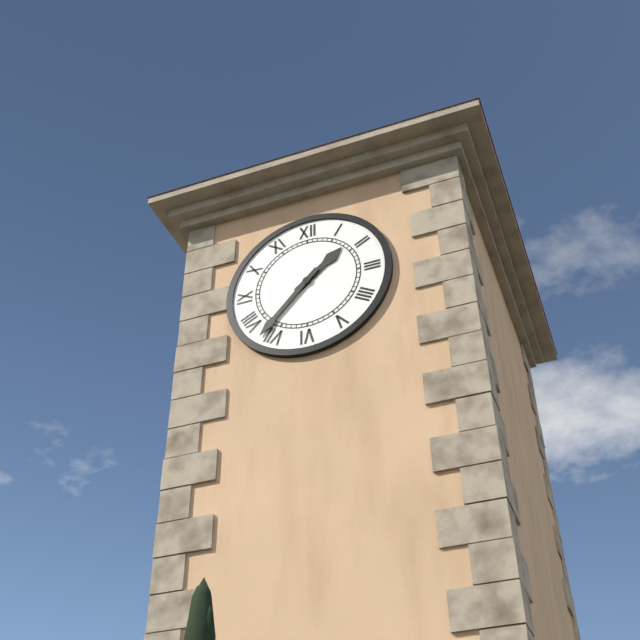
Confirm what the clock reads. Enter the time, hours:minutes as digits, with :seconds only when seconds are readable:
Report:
1:37
